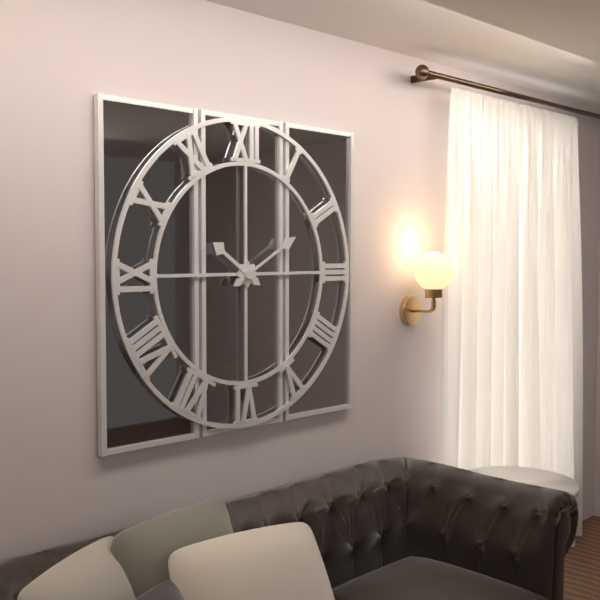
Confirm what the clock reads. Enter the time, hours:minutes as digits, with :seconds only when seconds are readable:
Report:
10:10
